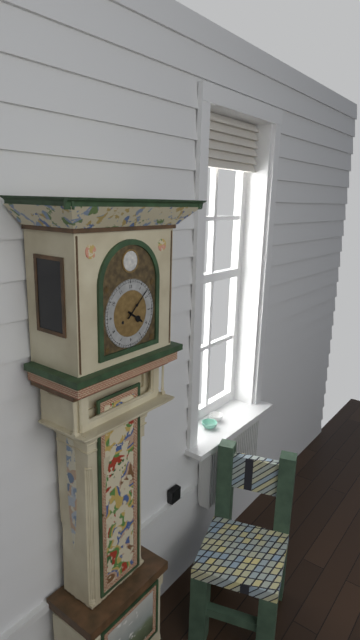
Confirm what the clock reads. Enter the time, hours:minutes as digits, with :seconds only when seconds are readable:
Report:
4:08
